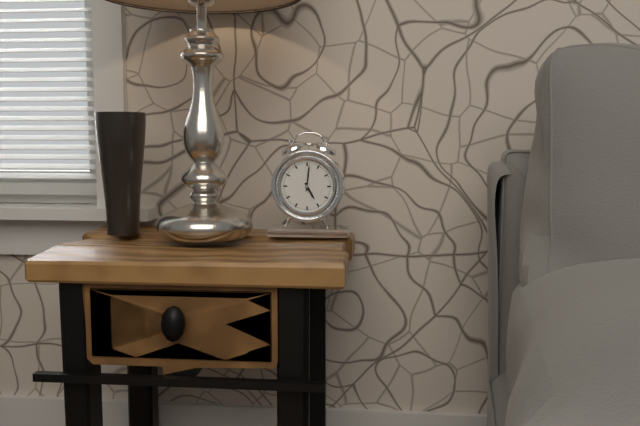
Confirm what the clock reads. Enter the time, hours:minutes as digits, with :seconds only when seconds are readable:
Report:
5:01
